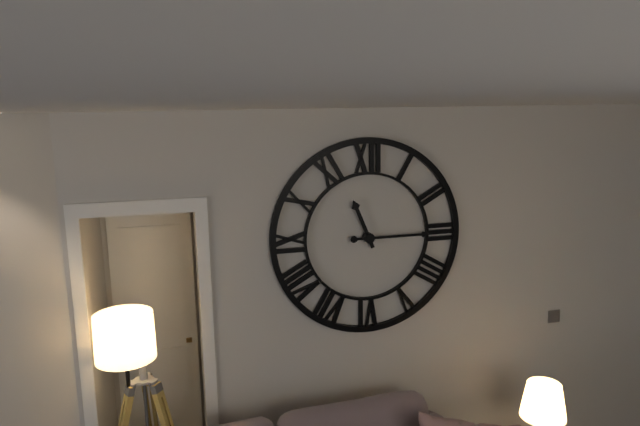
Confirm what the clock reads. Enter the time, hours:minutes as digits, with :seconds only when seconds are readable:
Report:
11:15
